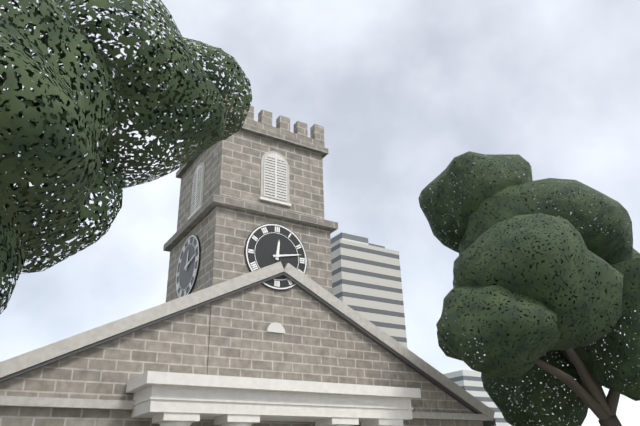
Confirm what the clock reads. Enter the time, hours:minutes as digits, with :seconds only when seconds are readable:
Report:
12:13
